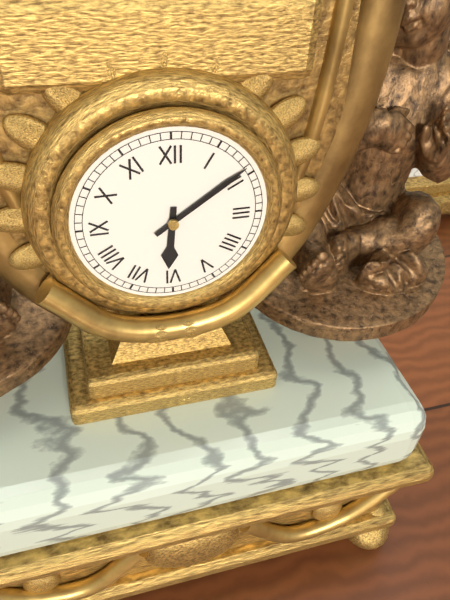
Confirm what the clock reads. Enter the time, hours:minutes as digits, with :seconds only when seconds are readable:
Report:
6:09
